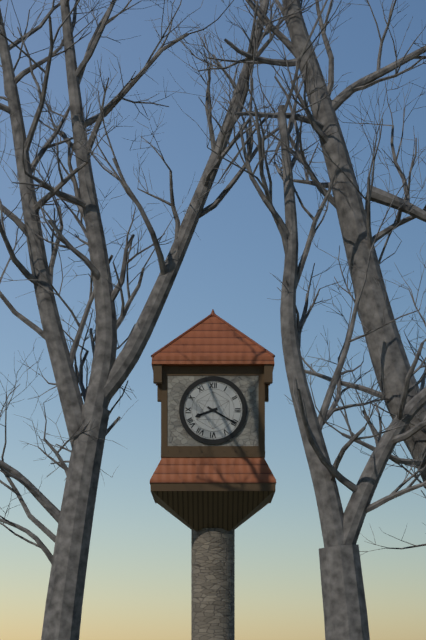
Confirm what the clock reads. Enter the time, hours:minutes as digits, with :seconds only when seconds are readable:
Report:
8:20
